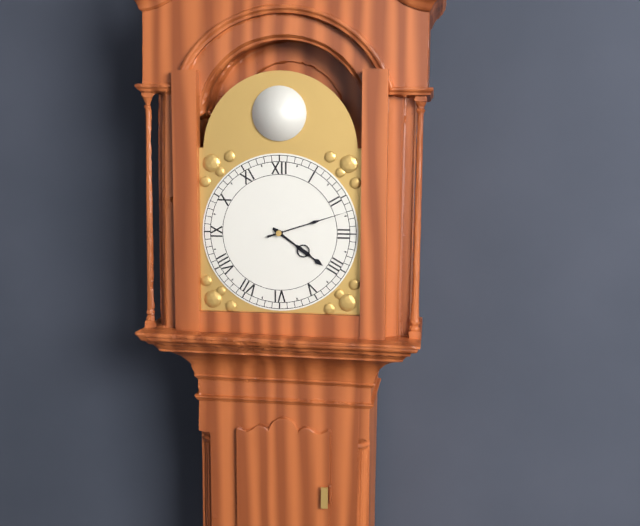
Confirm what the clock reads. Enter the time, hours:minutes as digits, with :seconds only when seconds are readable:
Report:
4:12
